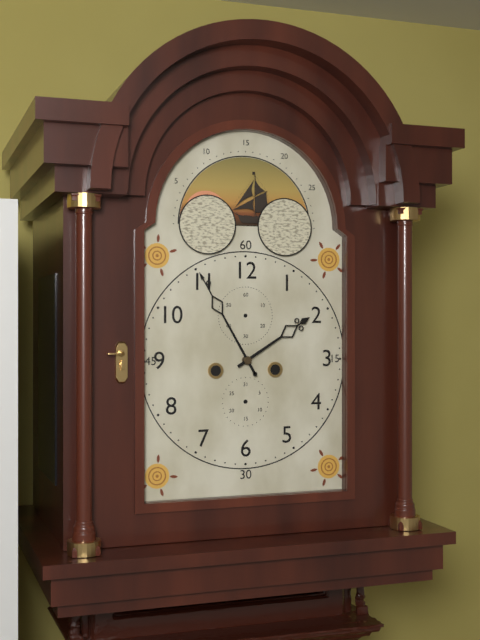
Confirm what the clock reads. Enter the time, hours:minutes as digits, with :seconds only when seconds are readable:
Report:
1:55
